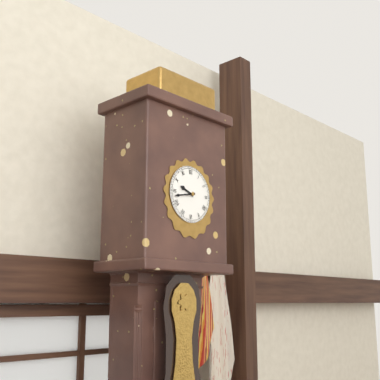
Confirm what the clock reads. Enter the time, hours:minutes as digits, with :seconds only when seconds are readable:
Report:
9:43
